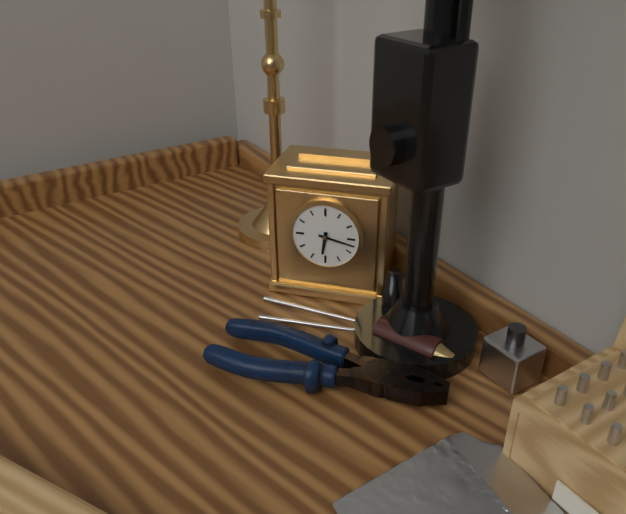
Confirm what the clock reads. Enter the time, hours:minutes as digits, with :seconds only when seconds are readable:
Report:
6:17
